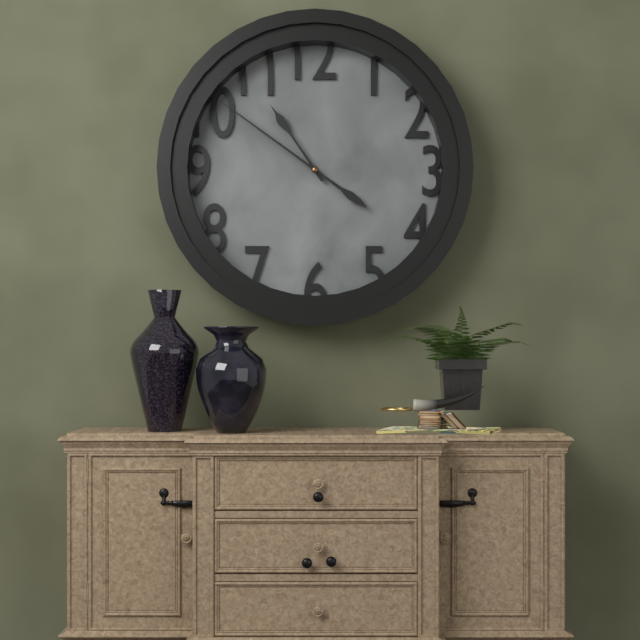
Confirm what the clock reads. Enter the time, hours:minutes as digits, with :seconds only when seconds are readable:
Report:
10:51
